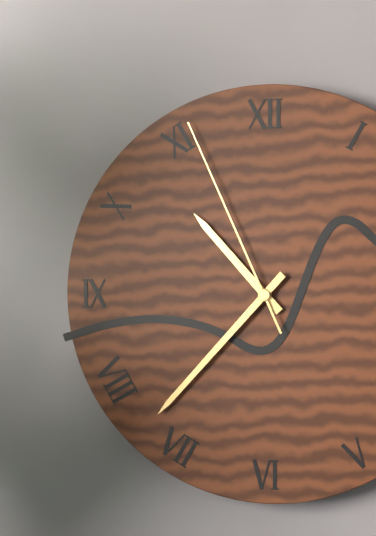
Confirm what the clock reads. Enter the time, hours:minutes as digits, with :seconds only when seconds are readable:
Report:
10:37:56
